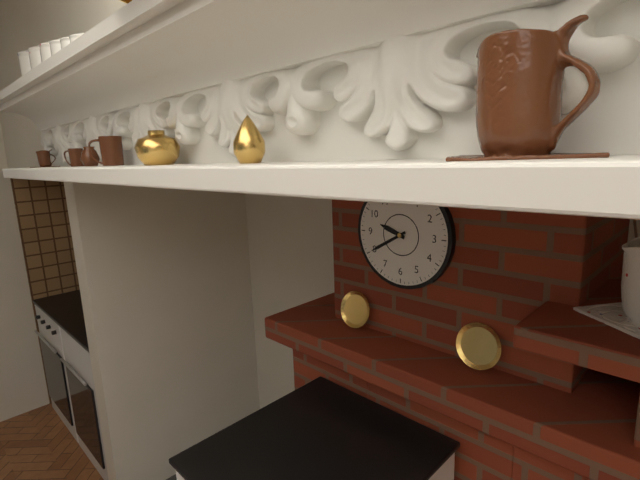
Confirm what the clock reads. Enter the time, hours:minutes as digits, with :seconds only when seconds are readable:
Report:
9:40
